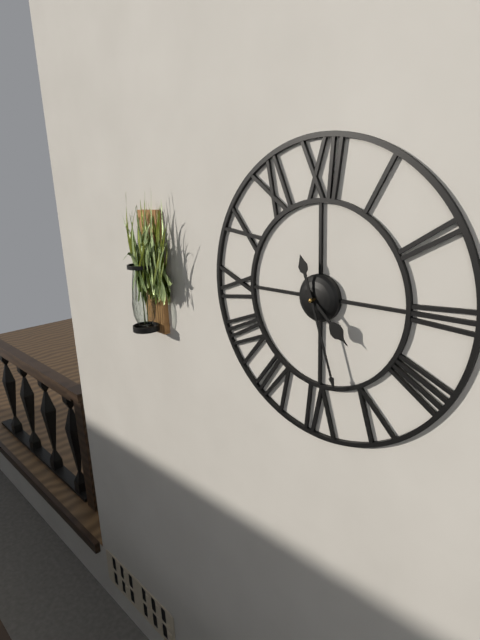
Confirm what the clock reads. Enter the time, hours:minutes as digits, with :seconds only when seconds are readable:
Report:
4:27
